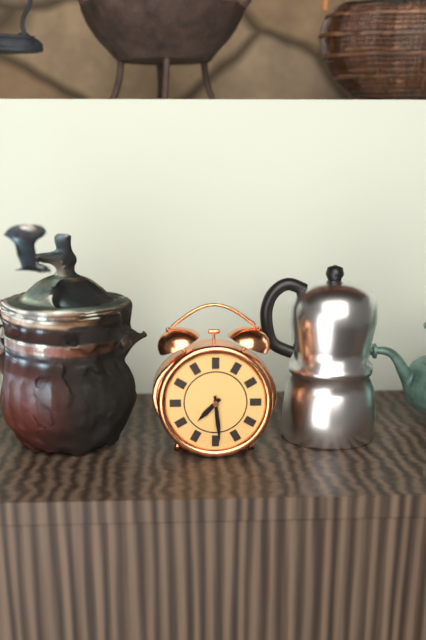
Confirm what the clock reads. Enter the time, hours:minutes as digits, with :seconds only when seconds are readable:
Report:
7:29
